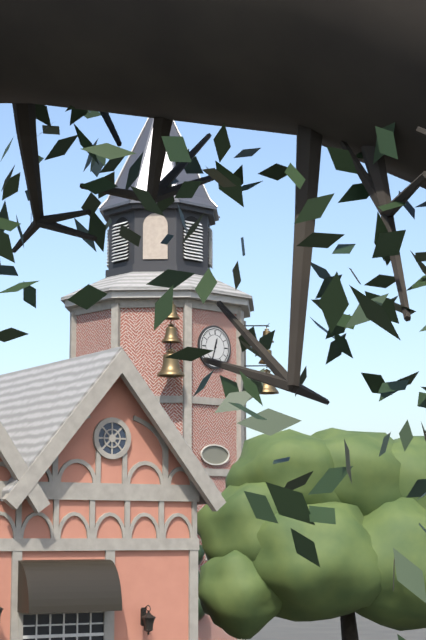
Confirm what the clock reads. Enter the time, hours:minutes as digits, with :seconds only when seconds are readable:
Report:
12:33
